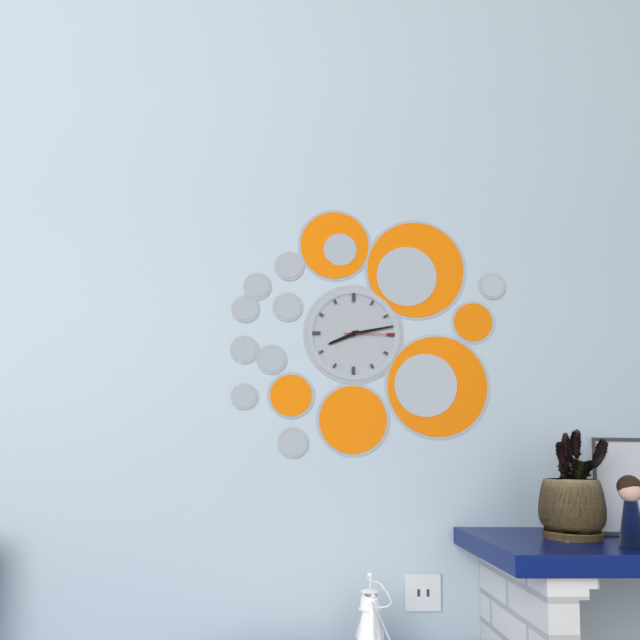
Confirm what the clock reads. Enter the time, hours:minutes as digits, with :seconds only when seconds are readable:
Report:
8:13:15
